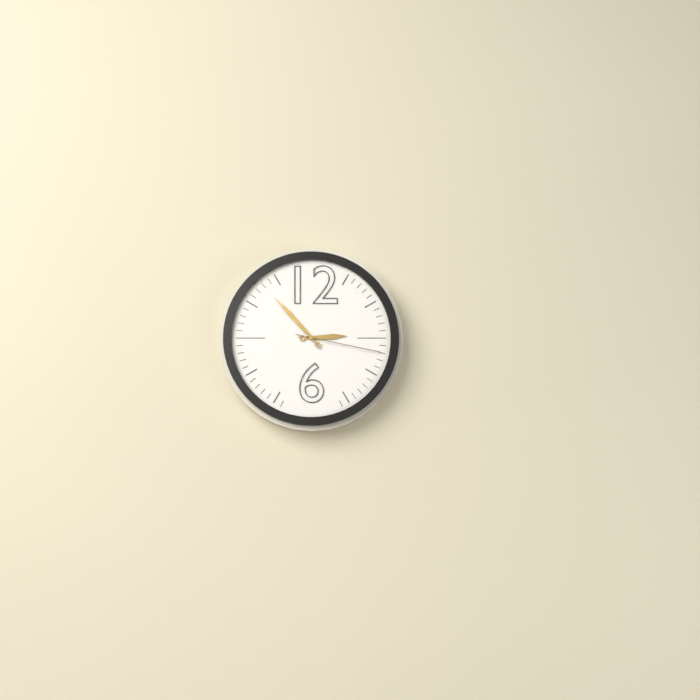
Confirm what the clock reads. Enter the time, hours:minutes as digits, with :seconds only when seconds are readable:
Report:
2:53:17
